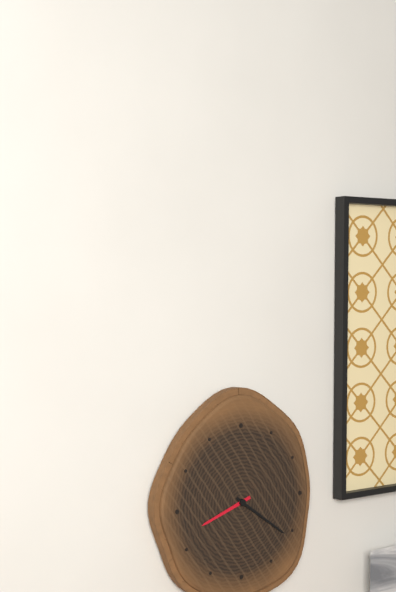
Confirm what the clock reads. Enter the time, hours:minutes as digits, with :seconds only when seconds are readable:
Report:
8:21
